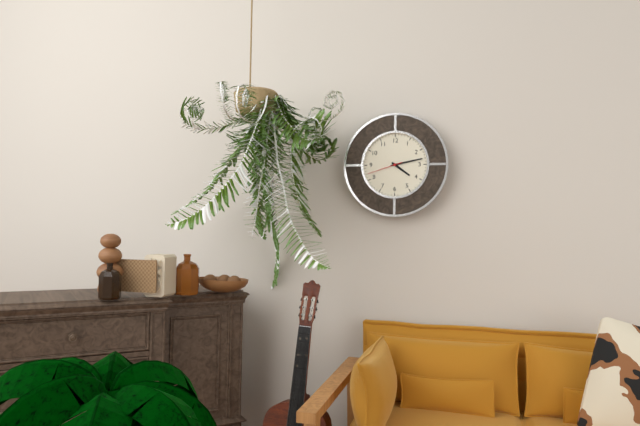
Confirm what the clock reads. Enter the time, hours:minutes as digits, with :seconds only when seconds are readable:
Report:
4:13
